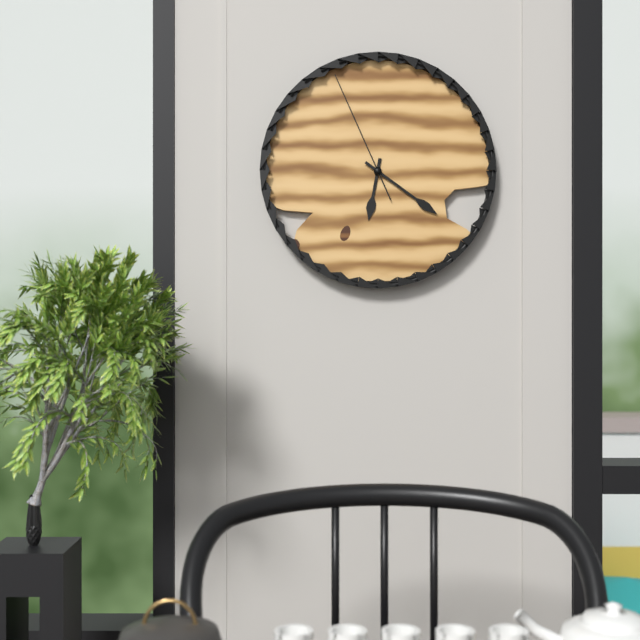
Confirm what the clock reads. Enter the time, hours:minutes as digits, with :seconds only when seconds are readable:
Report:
6:21:56
